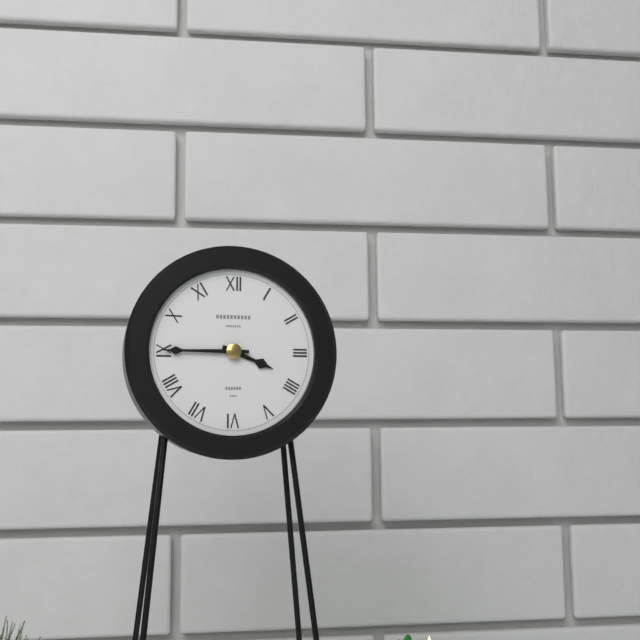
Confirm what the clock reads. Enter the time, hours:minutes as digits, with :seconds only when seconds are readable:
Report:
3:45
